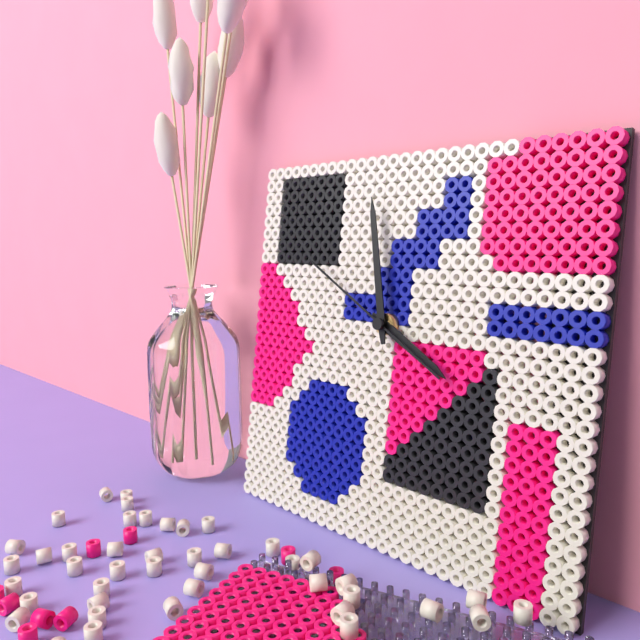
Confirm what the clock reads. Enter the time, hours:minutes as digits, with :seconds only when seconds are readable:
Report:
3:58:50
